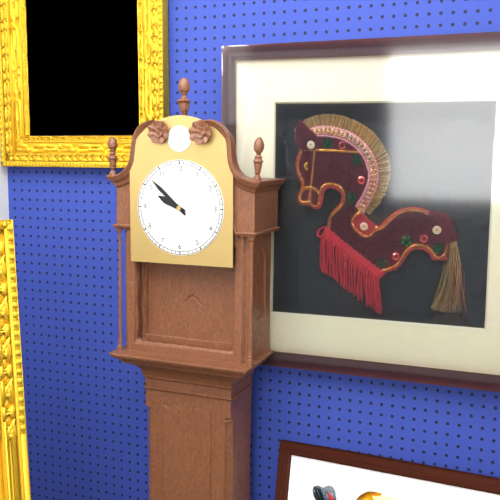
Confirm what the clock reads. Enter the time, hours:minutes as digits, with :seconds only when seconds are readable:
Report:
9:52
